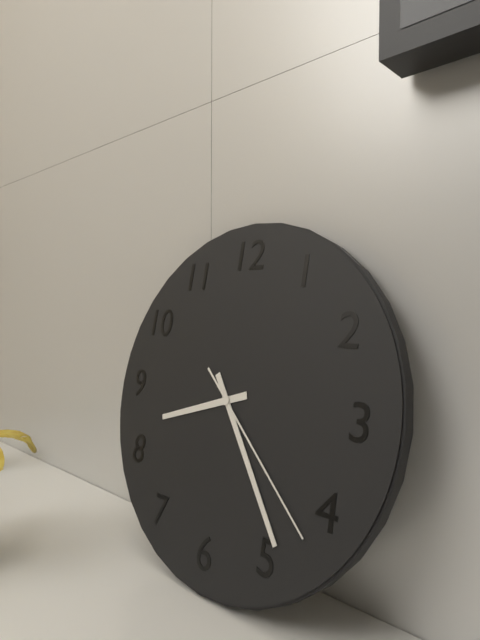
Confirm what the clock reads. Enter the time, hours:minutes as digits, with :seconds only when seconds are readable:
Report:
8:24:22
